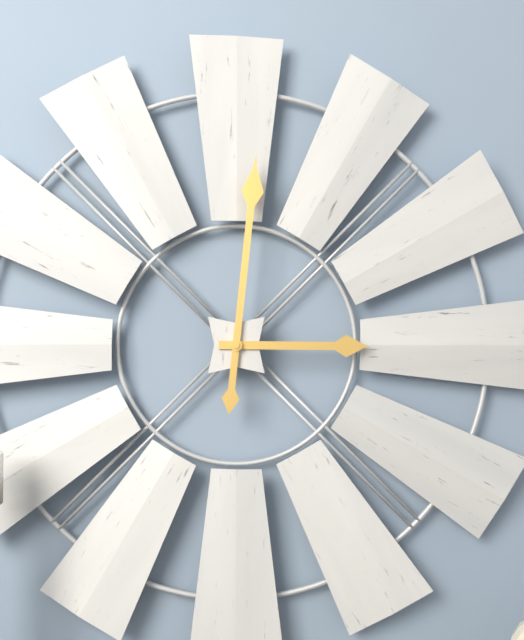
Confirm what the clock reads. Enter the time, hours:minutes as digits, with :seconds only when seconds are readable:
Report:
3:01
